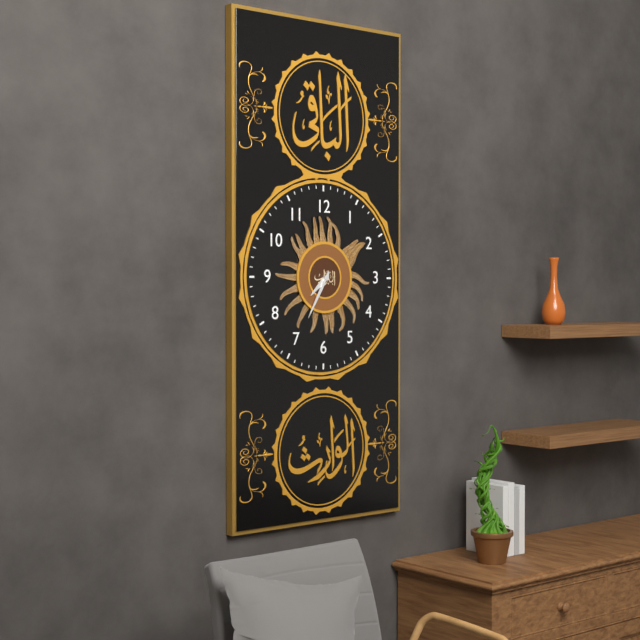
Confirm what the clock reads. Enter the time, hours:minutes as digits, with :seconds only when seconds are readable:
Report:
7:35
